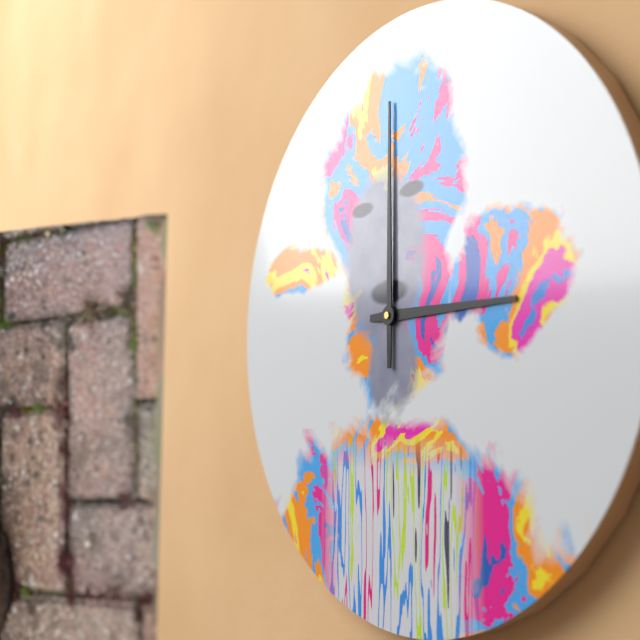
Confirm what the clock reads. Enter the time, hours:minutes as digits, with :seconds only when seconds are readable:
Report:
3:00
